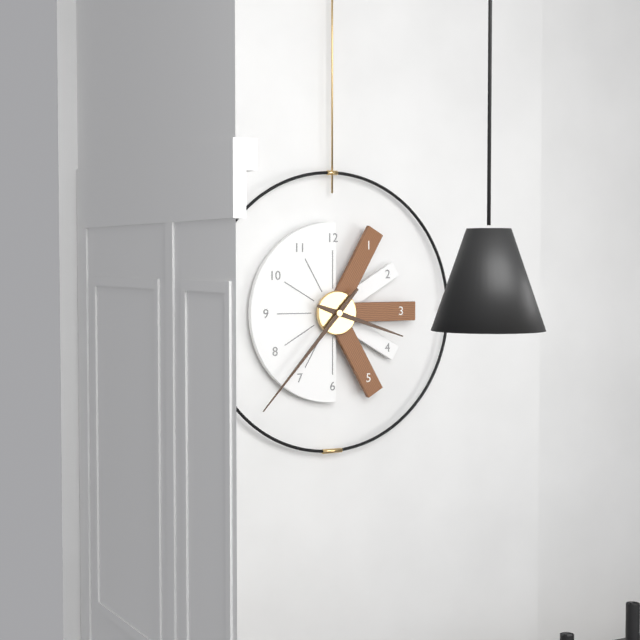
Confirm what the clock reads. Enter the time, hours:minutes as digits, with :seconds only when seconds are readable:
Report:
3:37
